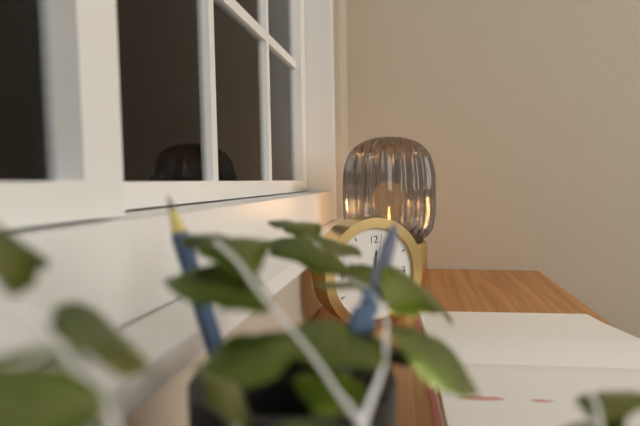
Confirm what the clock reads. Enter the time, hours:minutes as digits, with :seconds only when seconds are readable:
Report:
12:15:02
